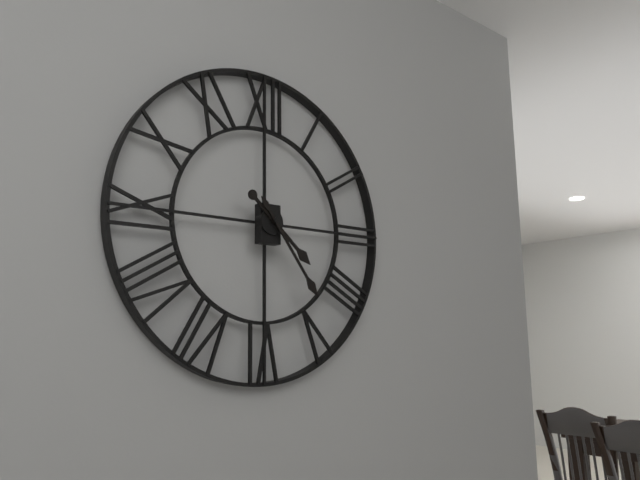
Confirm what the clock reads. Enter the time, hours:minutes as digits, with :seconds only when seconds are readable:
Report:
4:24
